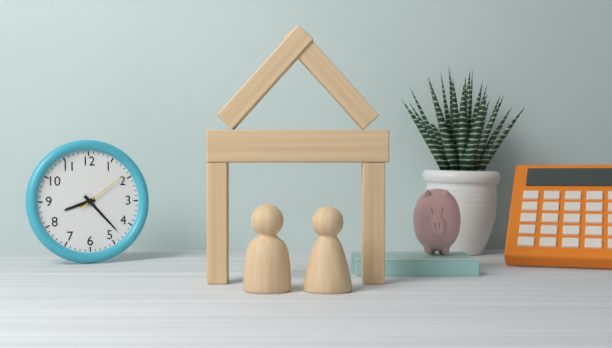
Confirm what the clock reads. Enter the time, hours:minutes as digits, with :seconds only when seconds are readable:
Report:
8:23:09
